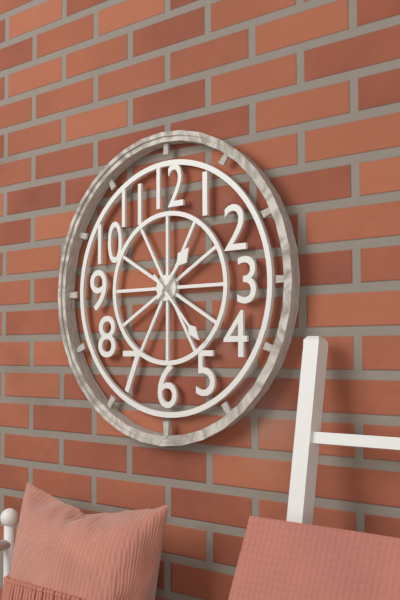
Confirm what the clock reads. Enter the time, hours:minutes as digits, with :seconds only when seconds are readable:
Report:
1:23
